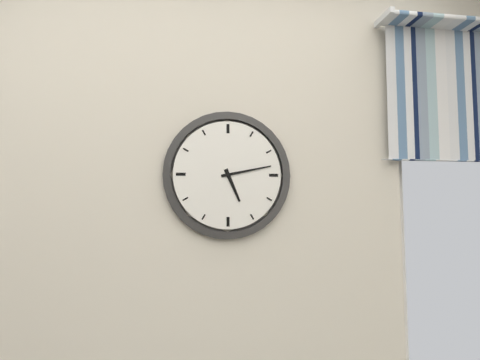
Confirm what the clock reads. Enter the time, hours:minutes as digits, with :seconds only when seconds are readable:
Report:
5:13
